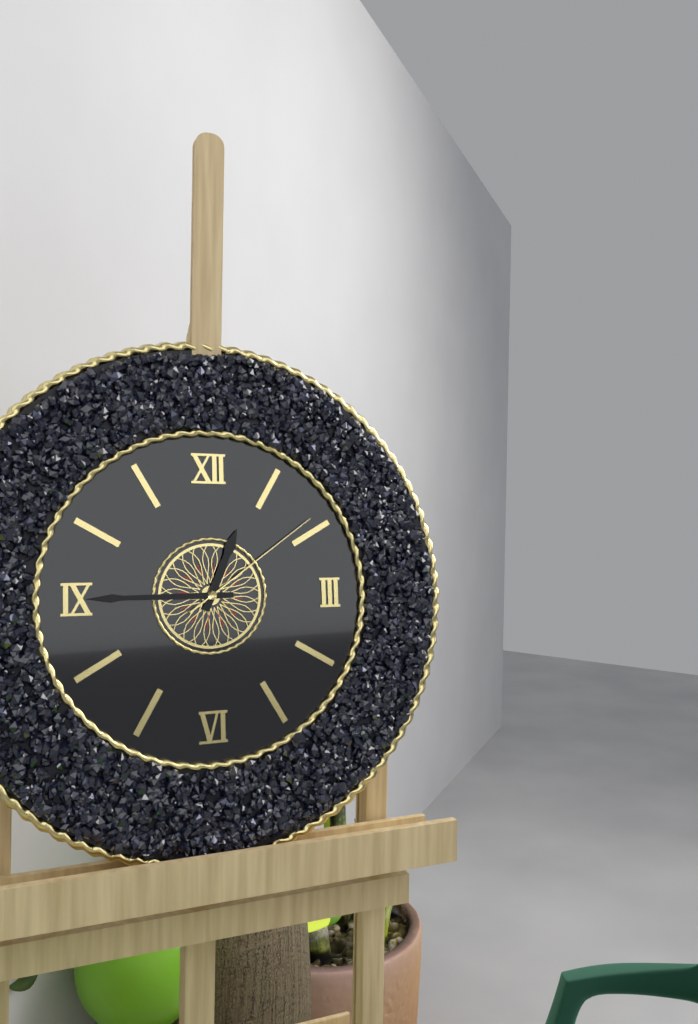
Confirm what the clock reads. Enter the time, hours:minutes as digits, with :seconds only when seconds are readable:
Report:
12:45:09
